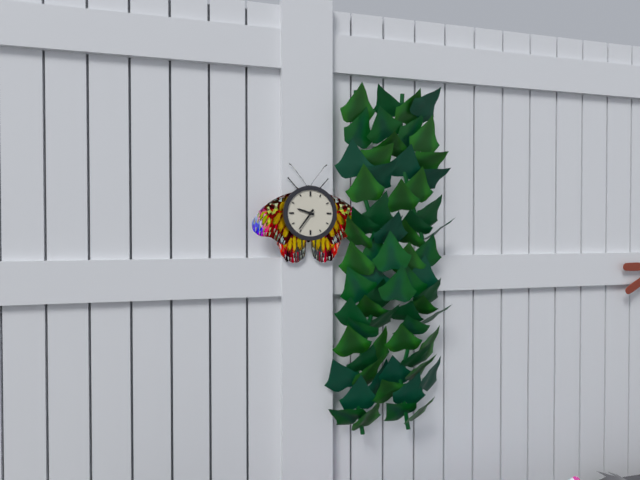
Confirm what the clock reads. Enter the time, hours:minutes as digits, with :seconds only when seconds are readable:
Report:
9:36
